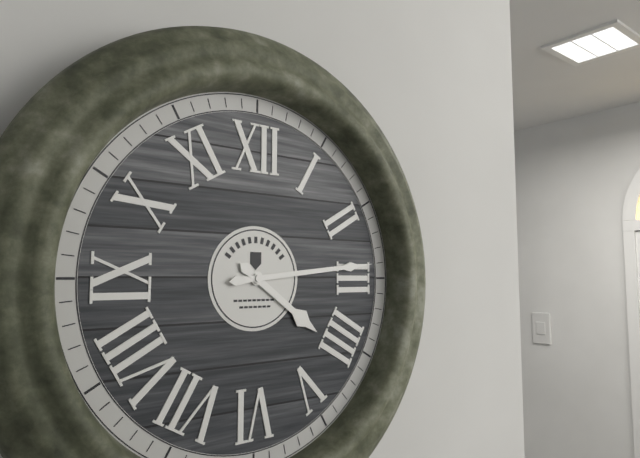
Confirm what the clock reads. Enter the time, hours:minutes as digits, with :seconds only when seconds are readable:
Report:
4:14
